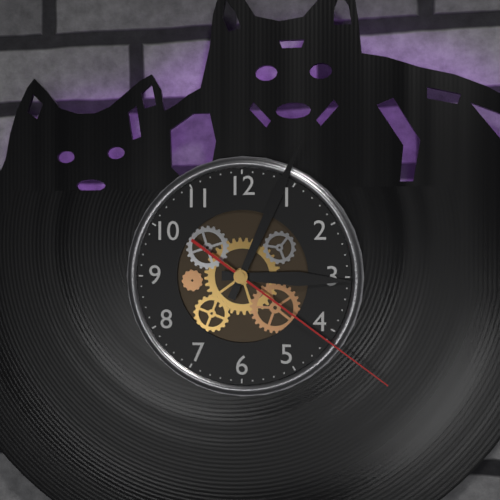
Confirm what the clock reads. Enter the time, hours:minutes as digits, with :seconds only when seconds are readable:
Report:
3:04:21
